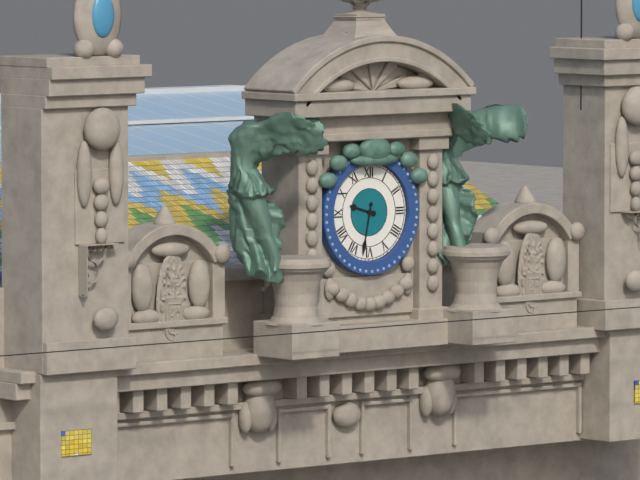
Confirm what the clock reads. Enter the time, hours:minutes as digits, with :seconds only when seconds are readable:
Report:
9:32
